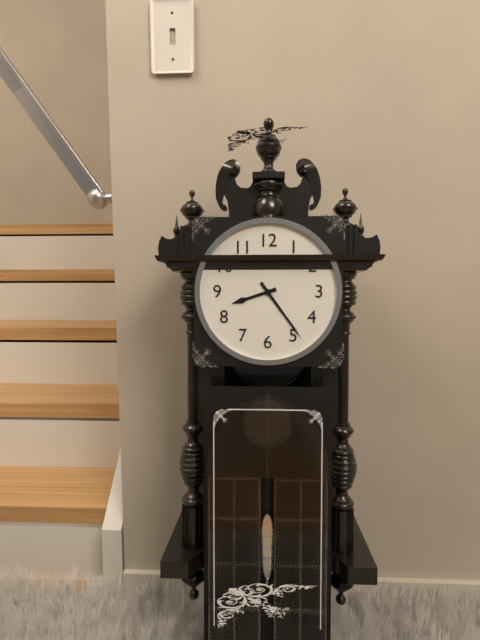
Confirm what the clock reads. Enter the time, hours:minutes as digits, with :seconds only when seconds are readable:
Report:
8:24
